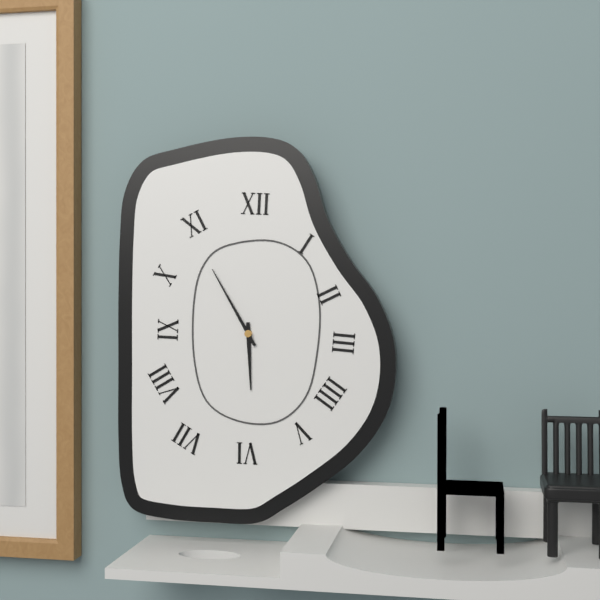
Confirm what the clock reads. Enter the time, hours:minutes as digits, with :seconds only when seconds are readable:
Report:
5:55
